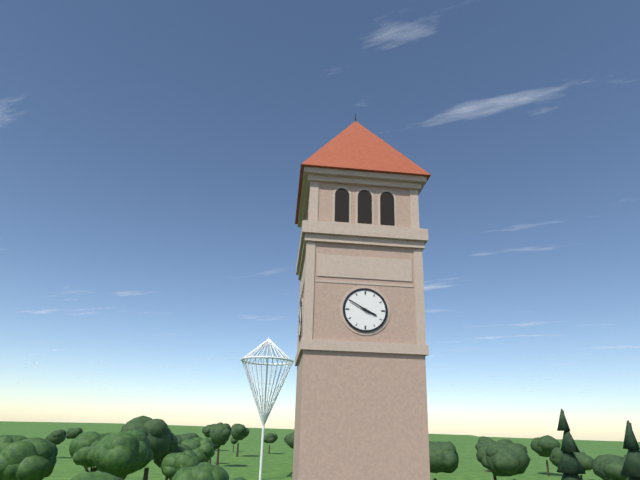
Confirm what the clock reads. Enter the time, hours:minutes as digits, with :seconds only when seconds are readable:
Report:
3:50
